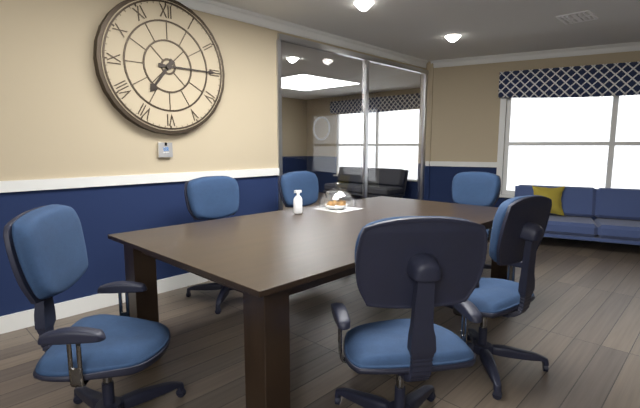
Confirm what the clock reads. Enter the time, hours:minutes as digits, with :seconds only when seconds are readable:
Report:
7:15
